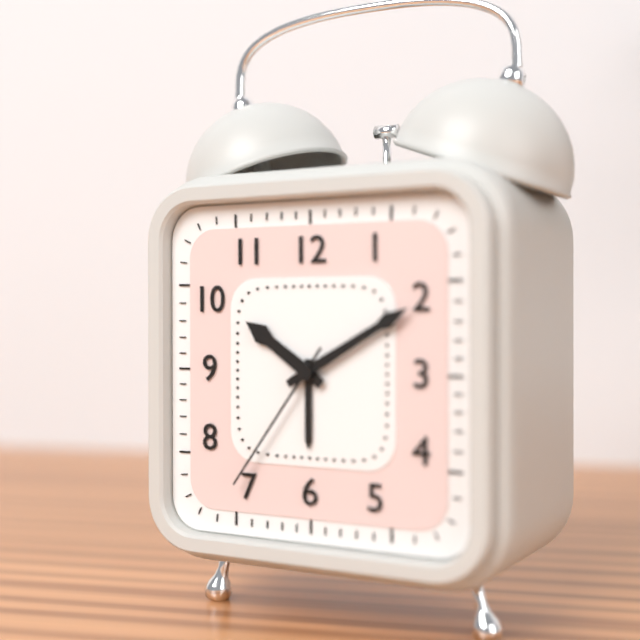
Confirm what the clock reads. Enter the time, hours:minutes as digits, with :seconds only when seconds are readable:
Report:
10:10:36
